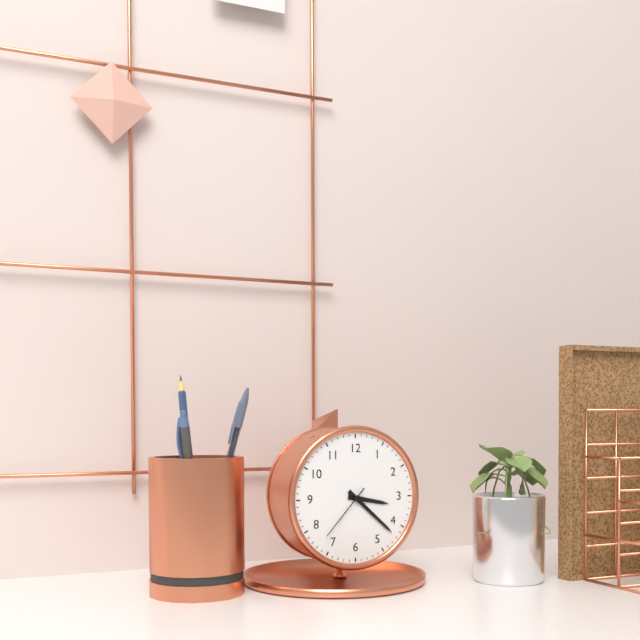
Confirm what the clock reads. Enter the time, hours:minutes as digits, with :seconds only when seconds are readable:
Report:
3:22:37
